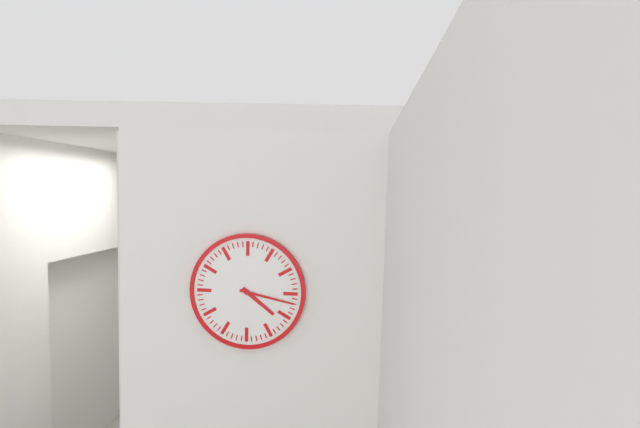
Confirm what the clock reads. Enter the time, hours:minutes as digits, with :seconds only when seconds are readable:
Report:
4:17
